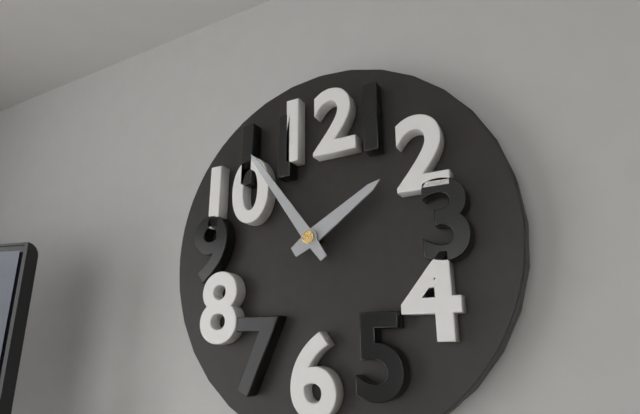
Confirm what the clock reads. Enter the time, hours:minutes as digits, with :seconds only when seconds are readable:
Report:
1:54
